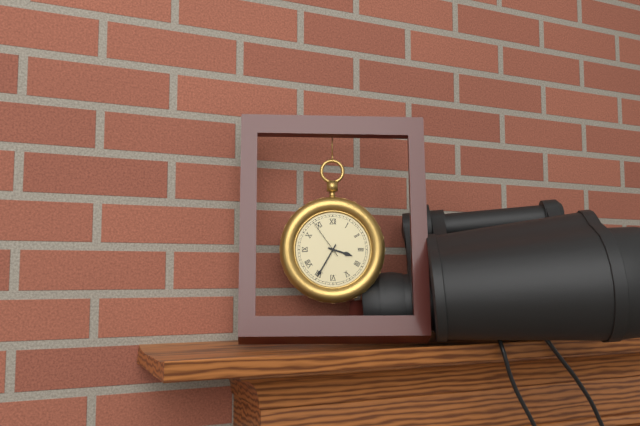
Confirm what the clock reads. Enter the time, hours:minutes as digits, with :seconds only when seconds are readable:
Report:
3:35
